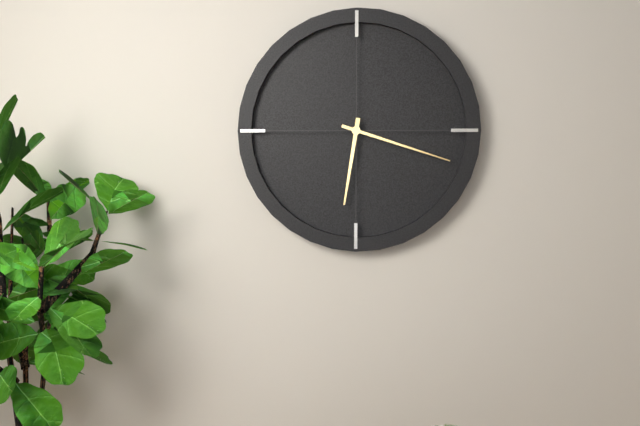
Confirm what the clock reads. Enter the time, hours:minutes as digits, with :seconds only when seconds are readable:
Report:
6:18
